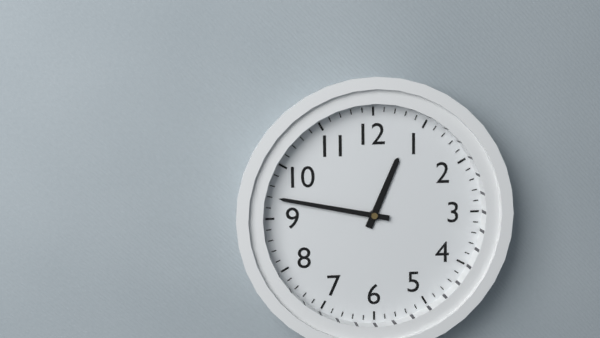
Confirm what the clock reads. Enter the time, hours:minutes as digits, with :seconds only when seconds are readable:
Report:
12:47
